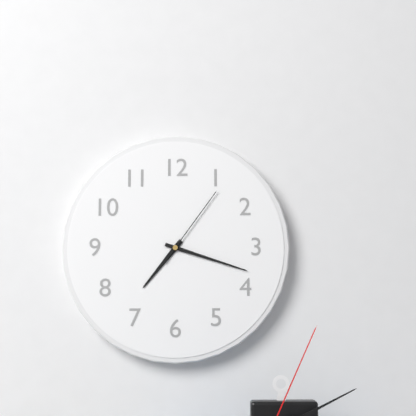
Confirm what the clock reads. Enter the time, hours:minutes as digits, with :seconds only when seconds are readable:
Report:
7:18:06
